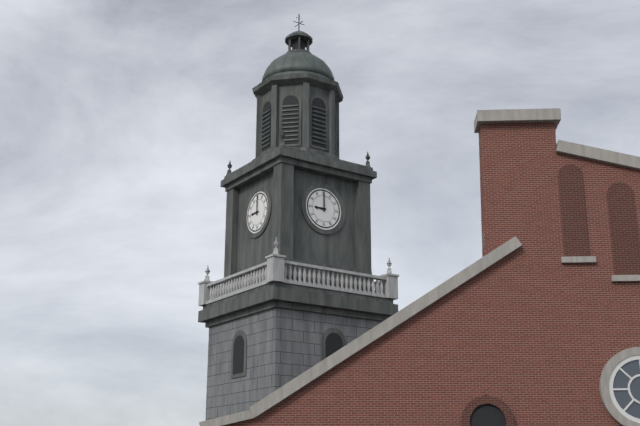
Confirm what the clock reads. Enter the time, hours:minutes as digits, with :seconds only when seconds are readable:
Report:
9:00
